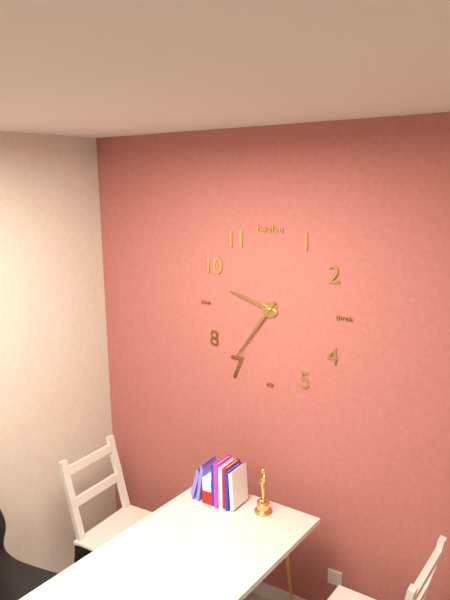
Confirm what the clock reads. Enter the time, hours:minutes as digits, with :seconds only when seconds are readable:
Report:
9:36
